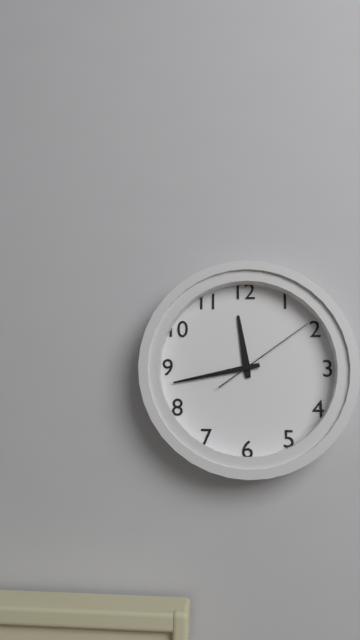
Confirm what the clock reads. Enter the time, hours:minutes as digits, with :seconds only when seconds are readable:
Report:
11:43:09
